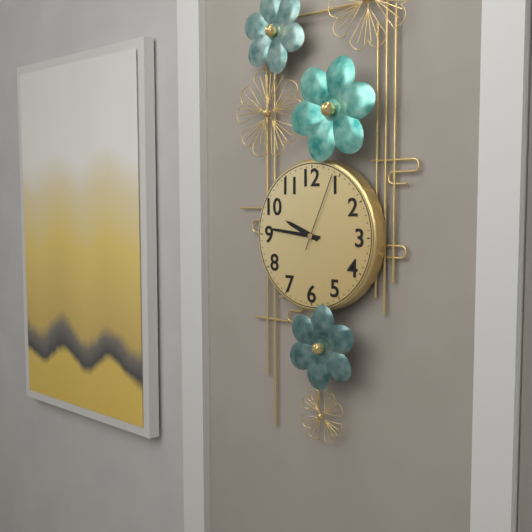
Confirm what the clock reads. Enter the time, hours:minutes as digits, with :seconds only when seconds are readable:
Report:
9:46:04
